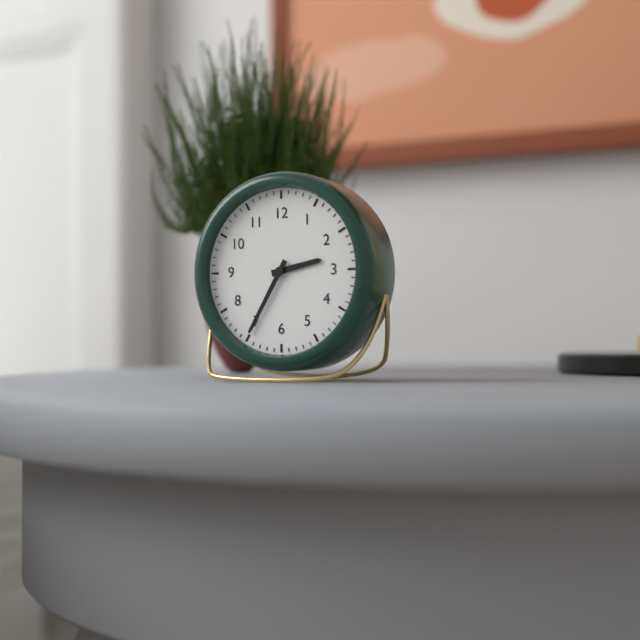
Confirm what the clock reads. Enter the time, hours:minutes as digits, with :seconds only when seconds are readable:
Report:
2:35
